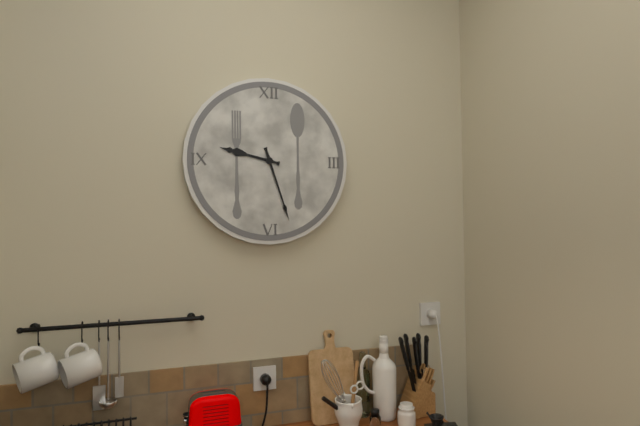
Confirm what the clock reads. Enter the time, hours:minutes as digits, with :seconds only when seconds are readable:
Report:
9:27
